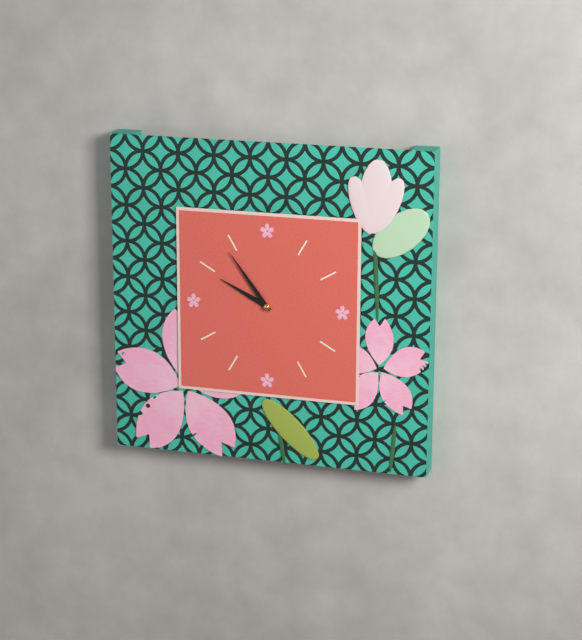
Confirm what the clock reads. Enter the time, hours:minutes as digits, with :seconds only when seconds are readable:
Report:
9:54
